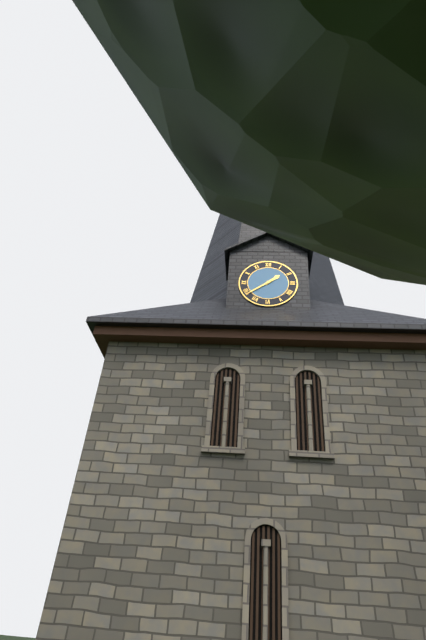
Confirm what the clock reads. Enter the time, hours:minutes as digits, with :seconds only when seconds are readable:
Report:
1:39
